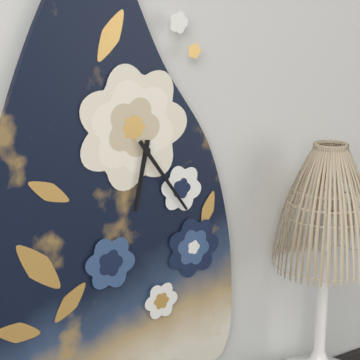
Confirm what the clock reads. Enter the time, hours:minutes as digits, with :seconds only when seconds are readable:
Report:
6:24
